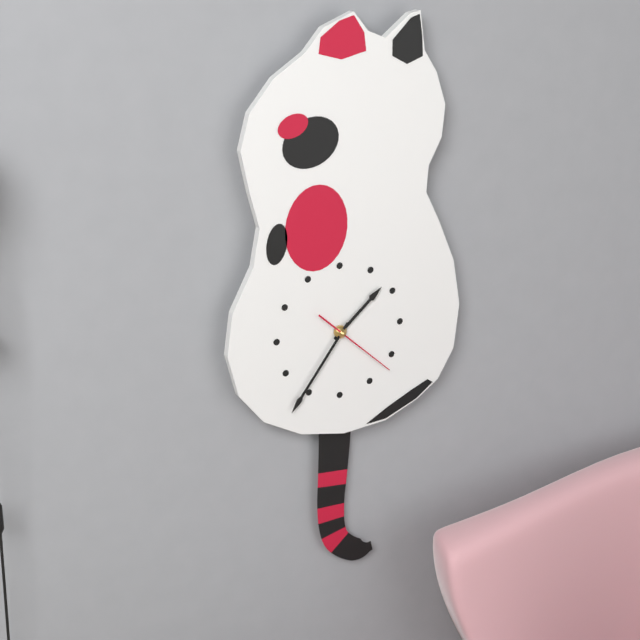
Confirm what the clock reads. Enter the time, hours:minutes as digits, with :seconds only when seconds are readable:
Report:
1:36:22
